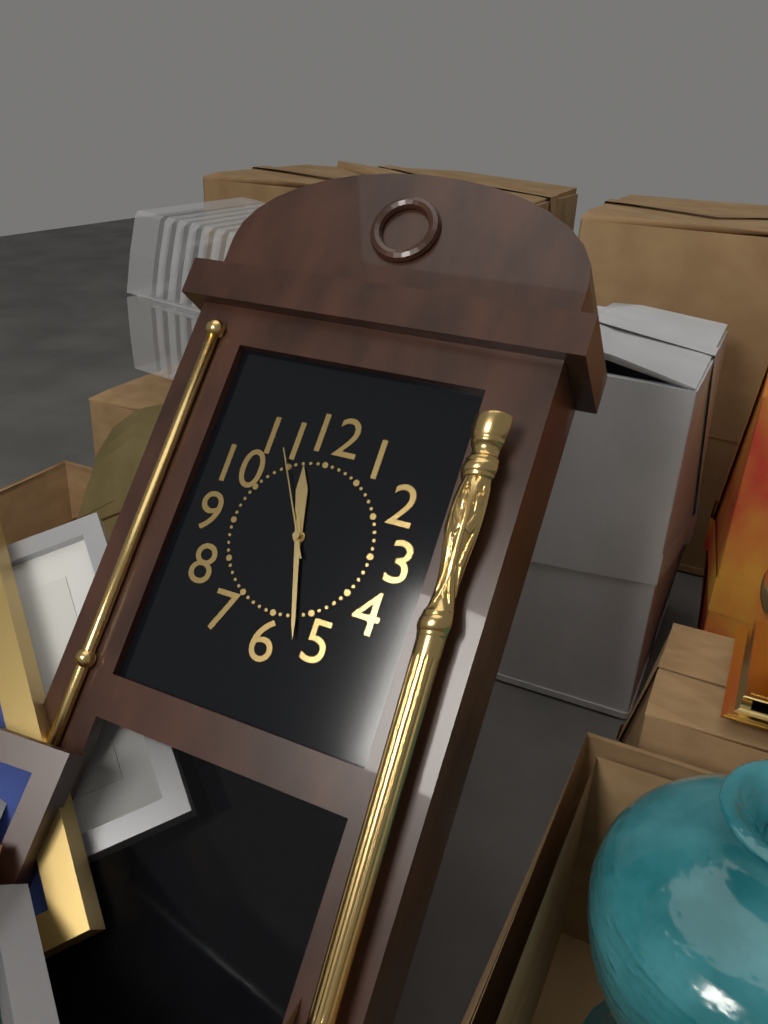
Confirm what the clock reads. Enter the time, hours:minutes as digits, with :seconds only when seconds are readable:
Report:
11:27:55
